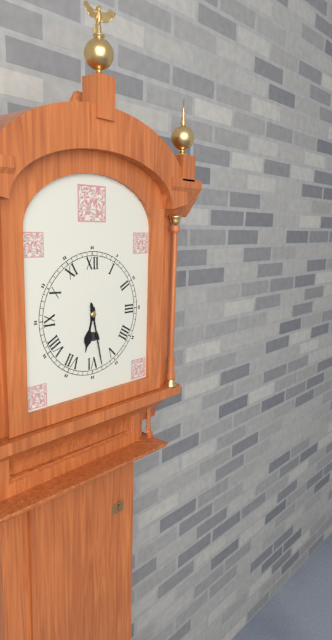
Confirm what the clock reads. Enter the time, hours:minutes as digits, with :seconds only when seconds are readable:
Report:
6:28
